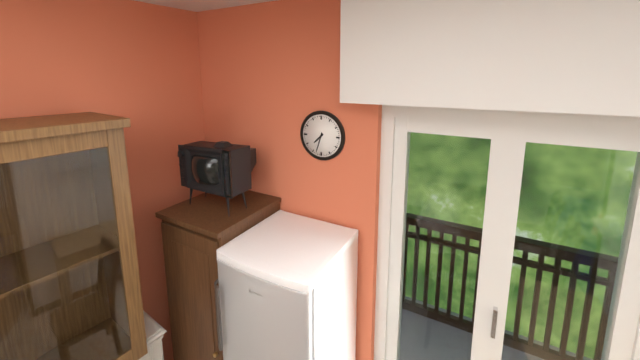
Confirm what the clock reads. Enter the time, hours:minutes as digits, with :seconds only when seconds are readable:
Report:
7:33
